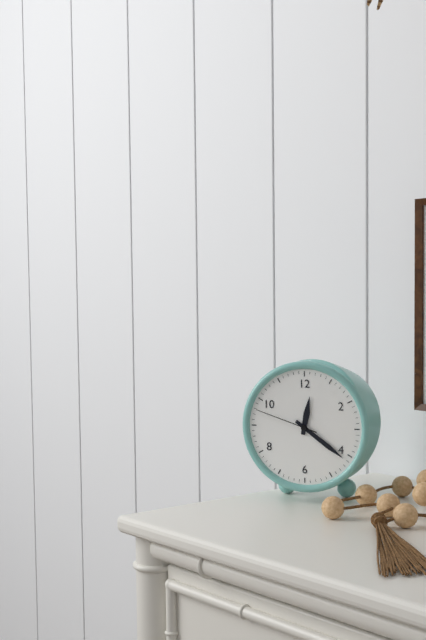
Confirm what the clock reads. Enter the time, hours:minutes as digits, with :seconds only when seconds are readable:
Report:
12:21:48
